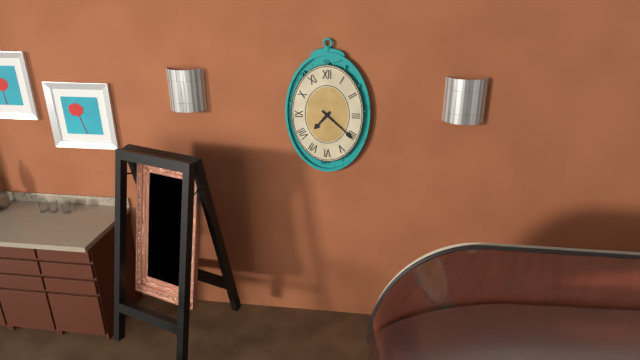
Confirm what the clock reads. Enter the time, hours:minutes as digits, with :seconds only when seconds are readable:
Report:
7:22
